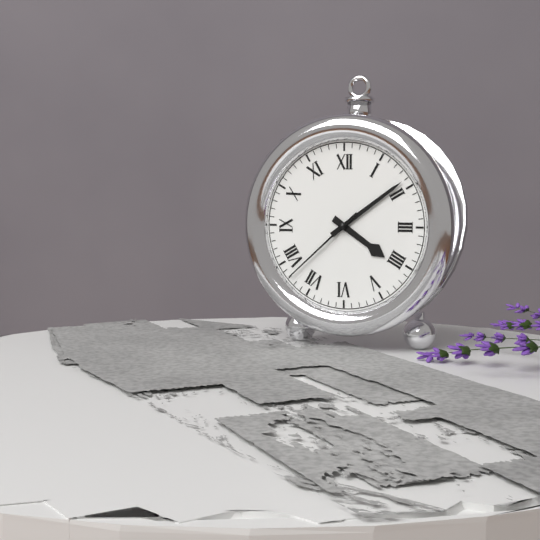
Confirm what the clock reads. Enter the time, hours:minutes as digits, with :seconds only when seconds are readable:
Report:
4:09:38
